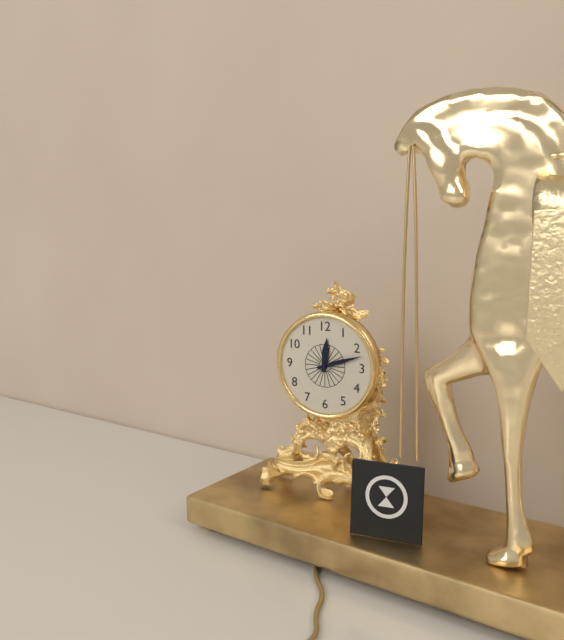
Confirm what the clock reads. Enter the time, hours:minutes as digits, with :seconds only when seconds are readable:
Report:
12:12
